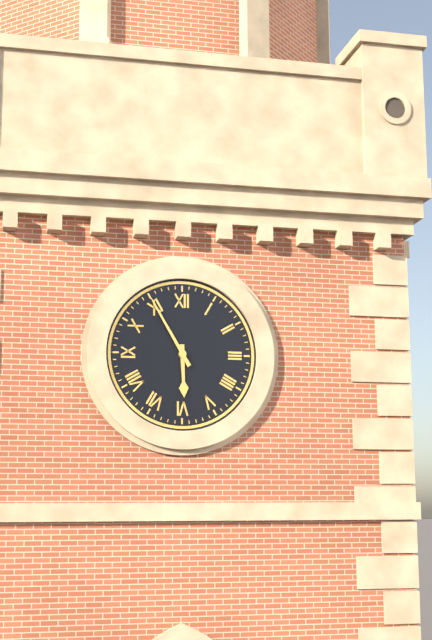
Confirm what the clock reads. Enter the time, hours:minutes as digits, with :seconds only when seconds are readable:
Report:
5:55
